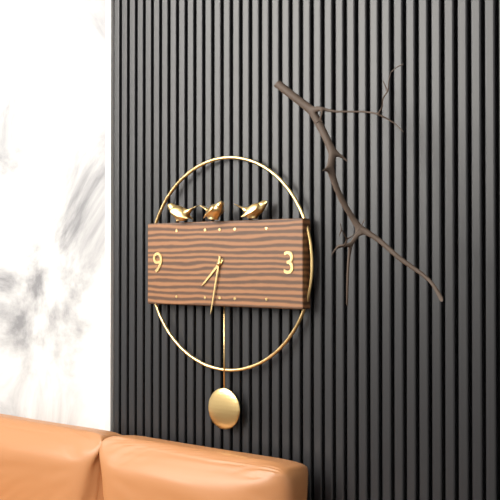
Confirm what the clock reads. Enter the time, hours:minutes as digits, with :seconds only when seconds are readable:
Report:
7:32
